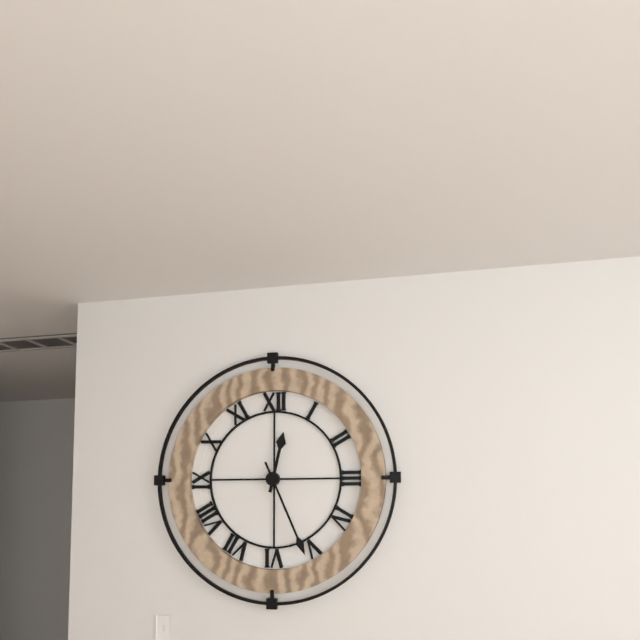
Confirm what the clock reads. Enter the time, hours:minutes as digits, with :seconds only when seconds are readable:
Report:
12:26
